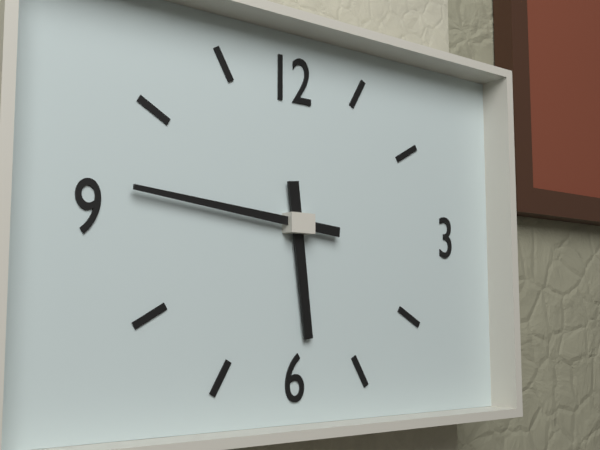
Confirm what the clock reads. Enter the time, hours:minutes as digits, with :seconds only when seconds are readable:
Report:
5:46
